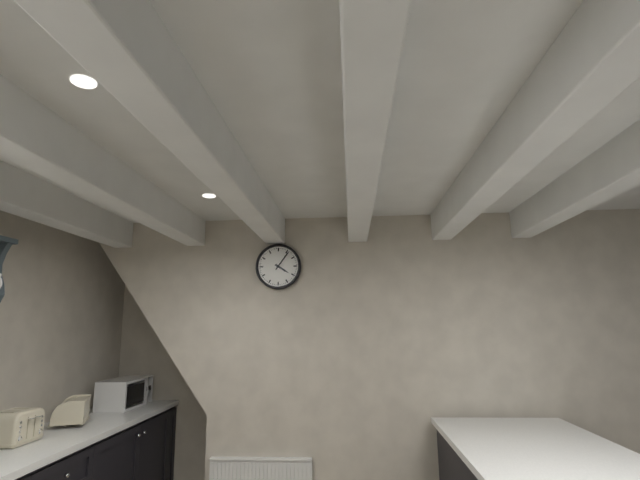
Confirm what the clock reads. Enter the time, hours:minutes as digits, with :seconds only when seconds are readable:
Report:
4:06
